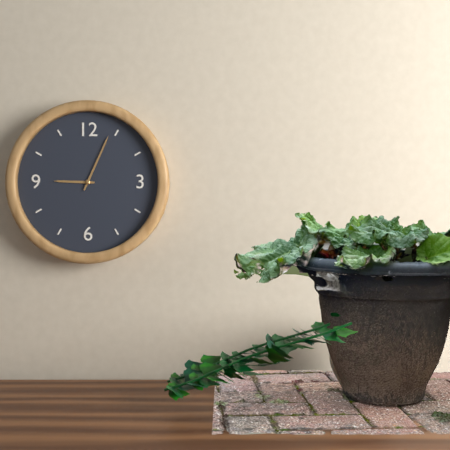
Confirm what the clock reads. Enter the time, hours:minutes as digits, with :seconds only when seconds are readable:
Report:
9:04
